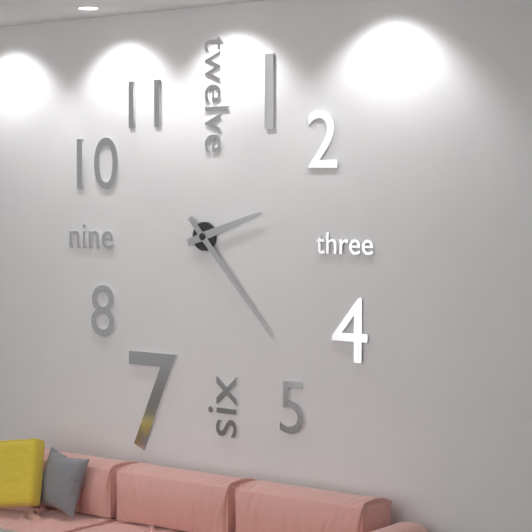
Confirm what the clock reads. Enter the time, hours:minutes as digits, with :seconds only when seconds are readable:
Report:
2:23
